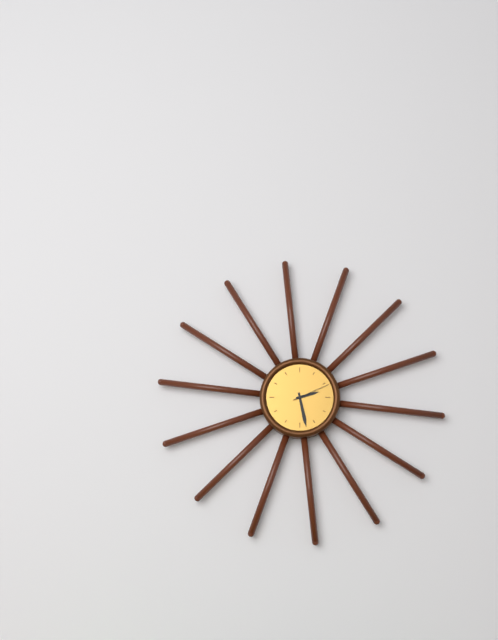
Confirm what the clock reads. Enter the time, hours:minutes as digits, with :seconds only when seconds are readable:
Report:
2:28
